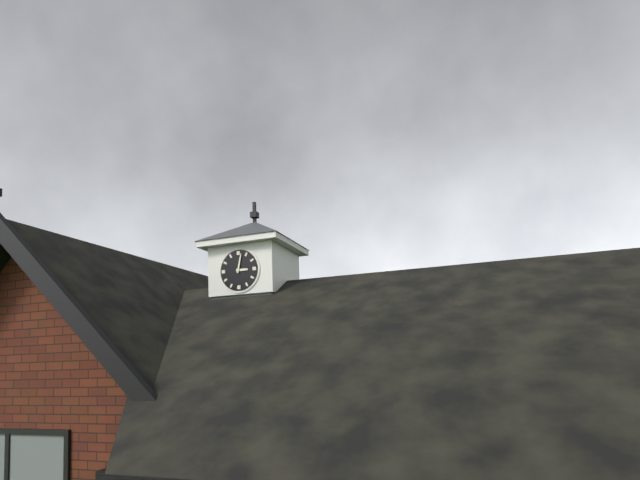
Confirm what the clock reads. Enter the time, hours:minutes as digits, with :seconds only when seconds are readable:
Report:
3:02
